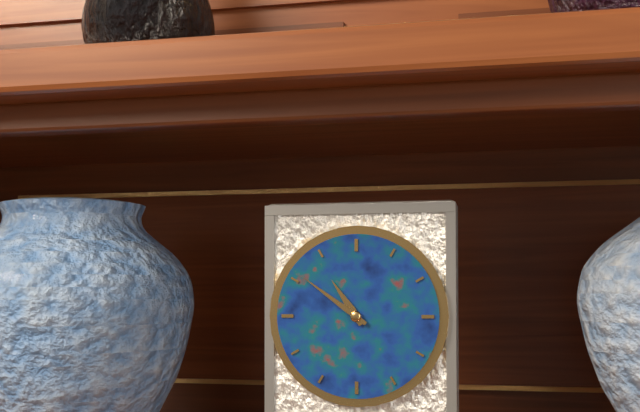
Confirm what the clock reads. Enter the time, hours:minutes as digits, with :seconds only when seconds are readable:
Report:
10:51
